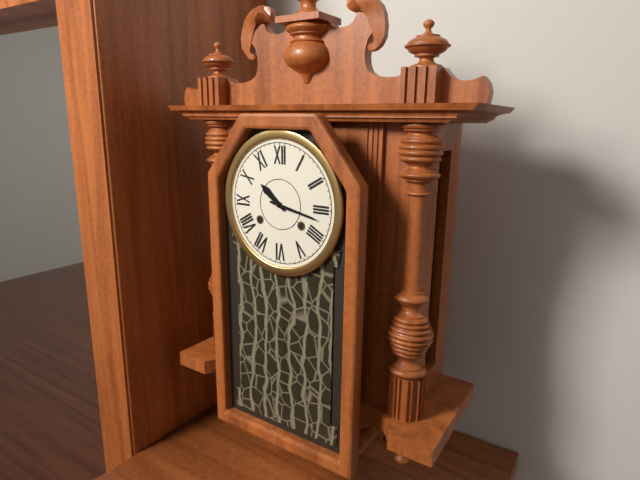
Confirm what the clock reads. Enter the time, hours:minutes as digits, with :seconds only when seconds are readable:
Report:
10:17
